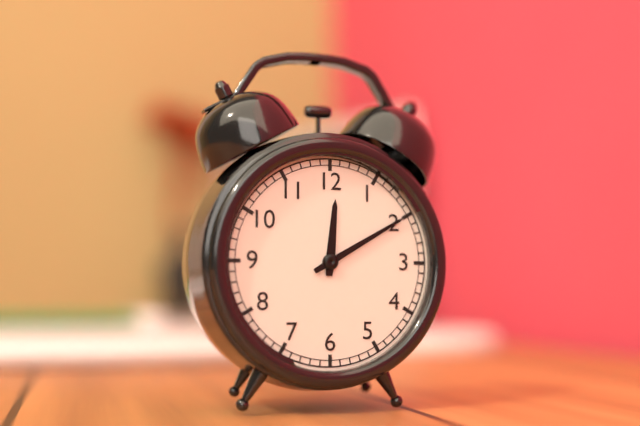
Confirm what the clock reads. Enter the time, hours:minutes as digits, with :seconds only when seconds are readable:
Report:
12:10
